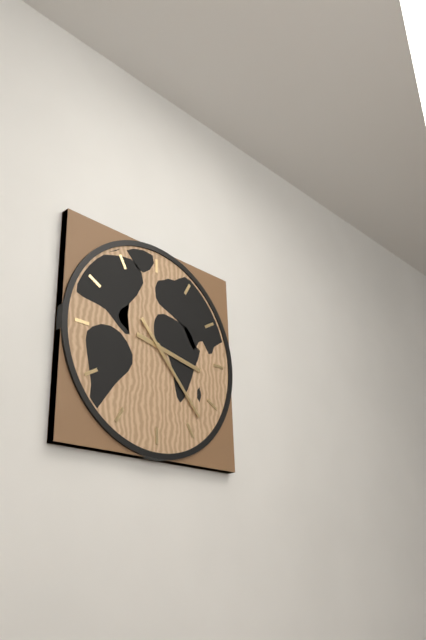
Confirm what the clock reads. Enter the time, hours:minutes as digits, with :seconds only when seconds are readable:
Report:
3:23
